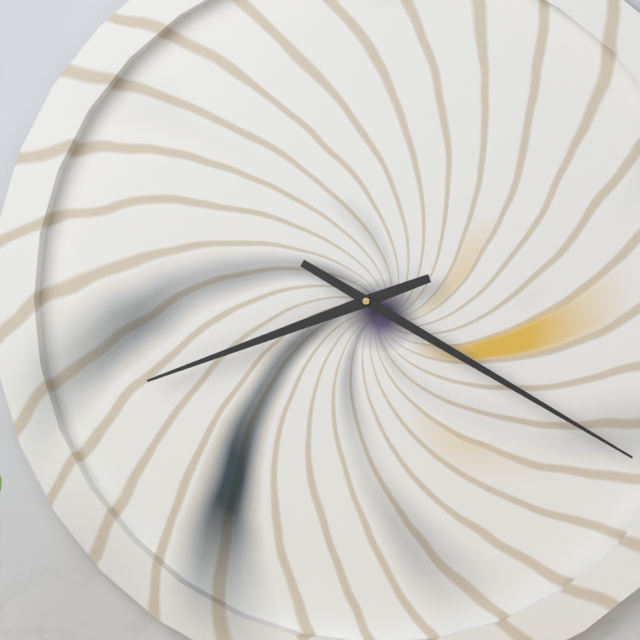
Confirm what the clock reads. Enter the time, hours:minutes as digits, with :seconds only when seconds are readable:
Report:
8:20
